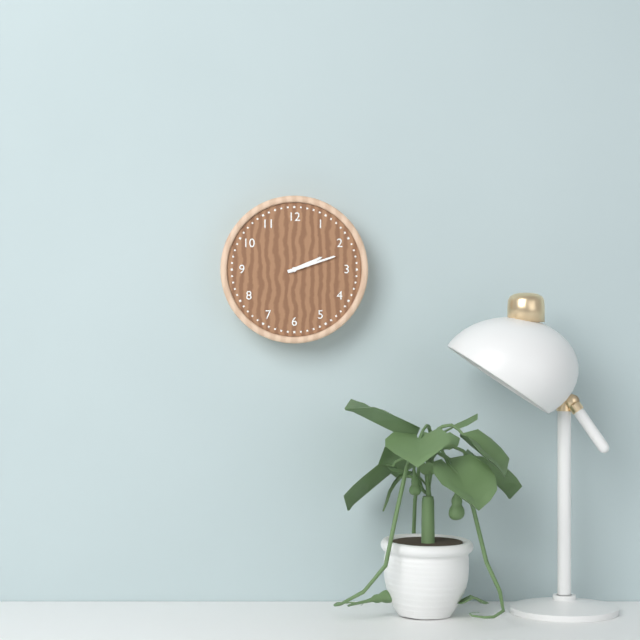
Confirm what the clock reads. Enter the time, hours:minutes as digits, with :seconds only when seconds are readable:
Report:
2:12
